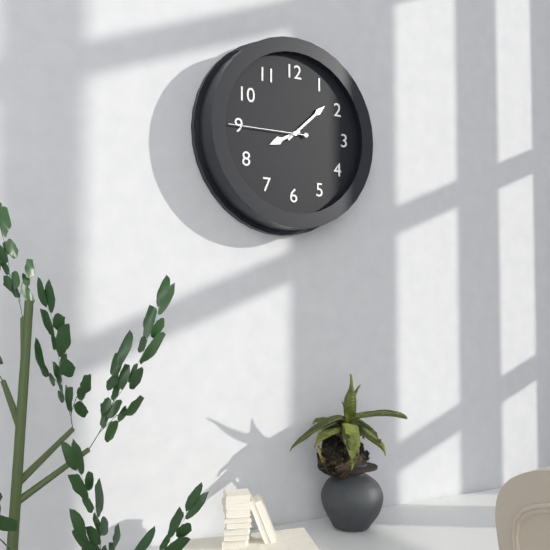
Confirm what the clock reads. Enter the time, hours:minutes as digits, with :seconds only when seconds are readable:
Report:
8:08:45
